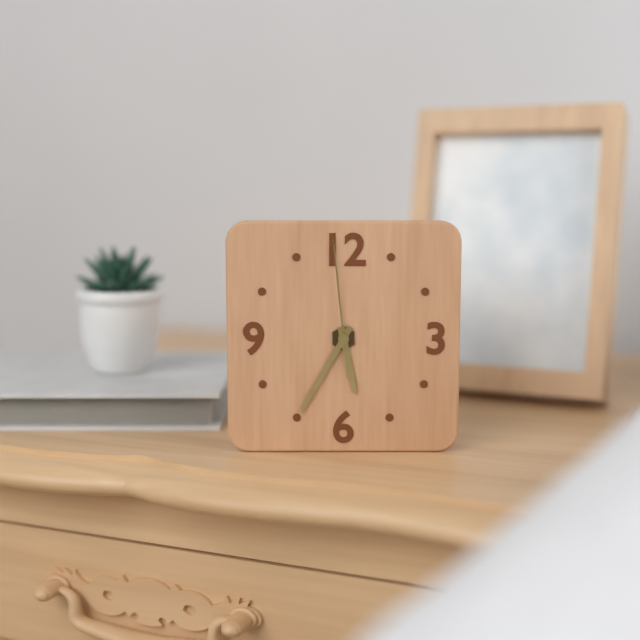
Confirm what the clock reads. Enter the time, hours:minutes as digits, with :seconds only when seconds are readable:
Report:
5:35:59
